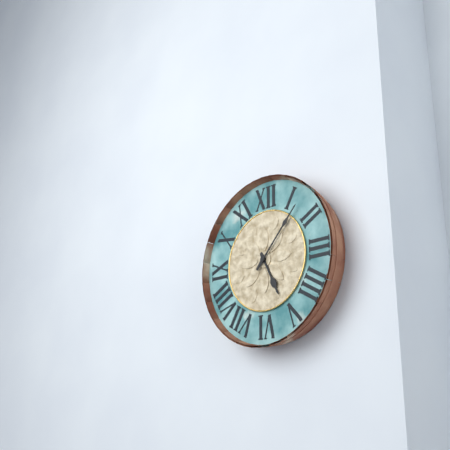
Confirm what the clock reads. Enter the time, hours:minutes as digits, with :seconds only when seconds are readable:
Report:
5:07
